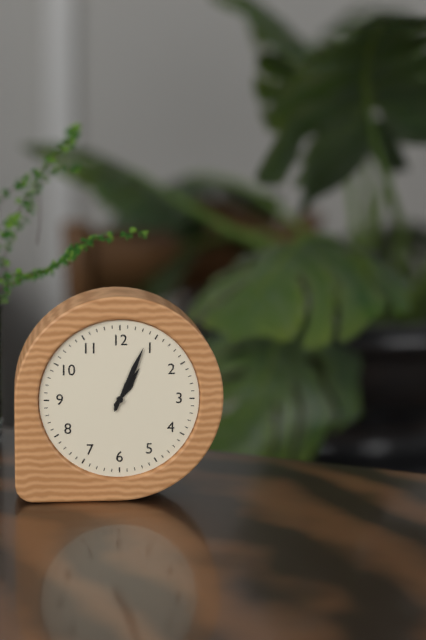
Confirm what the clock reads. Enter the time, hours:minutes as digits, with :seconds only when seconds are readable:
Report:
1:04
